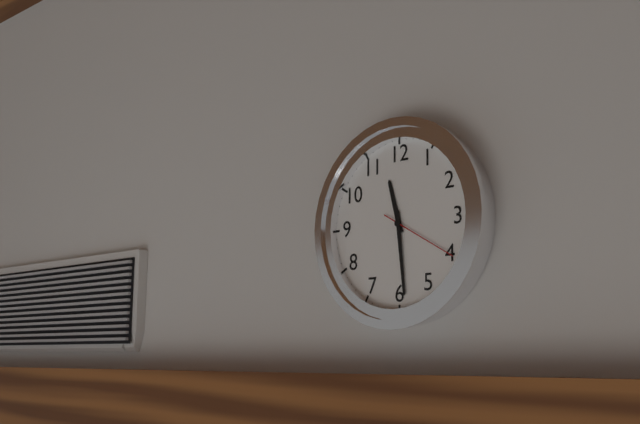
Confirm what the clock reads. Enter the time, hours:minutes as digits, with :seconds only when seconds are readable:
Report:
11:29:20
